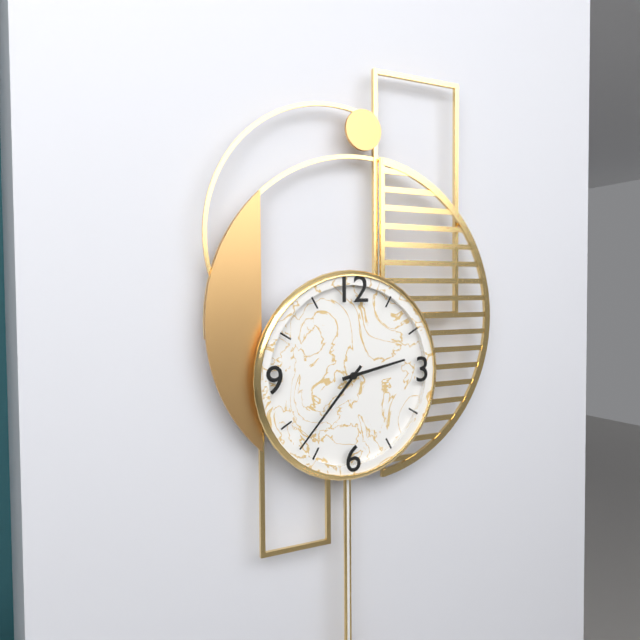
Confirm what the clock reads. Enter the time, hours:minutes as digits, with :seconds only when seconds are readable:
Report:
2:37
